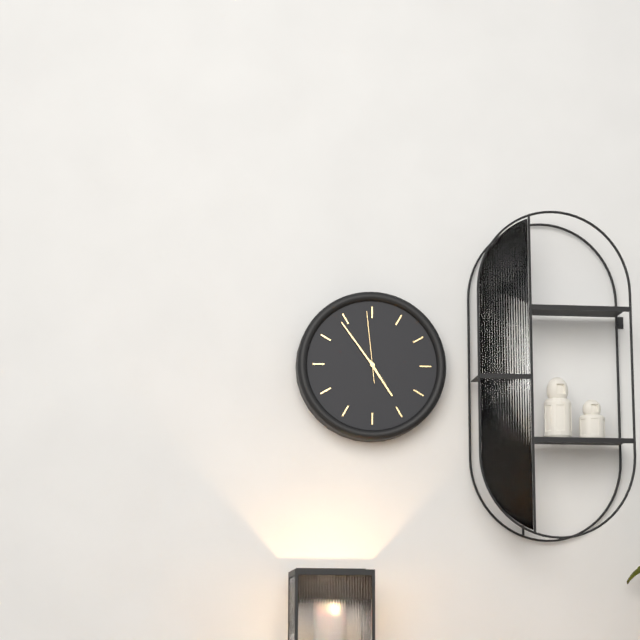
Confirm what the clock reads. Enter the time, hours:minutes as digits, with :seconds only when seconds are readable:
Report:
4:54:59
